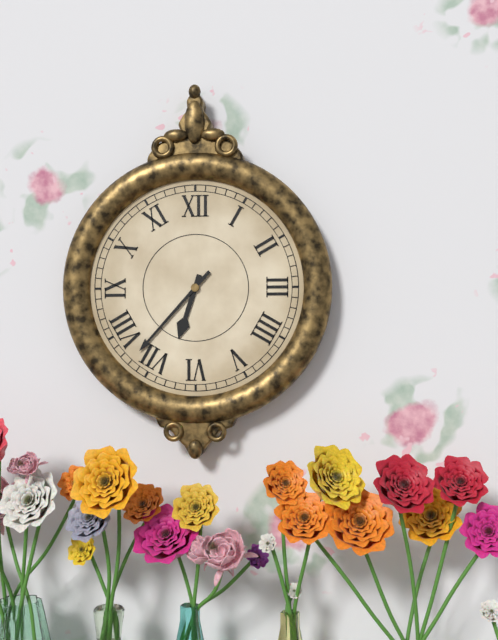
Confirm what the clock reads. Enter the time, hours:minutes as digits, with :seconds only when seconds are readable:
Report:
6:37
